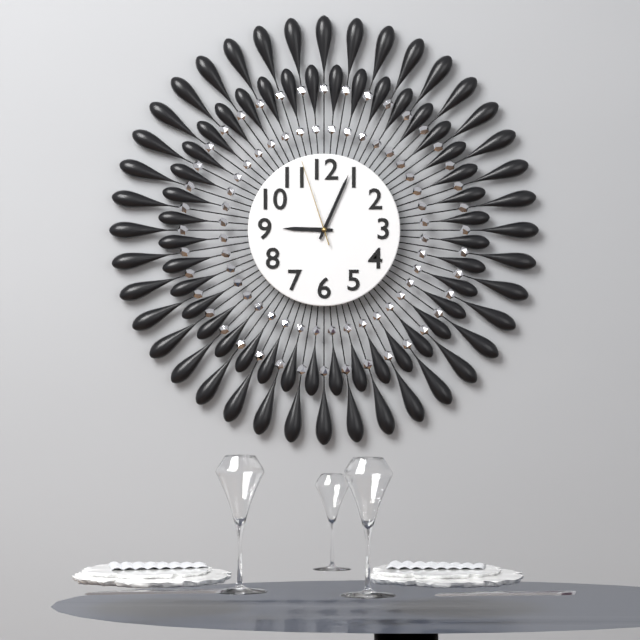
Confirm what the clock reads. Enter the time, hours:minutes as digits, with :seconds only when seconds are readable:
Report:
9:04:57
